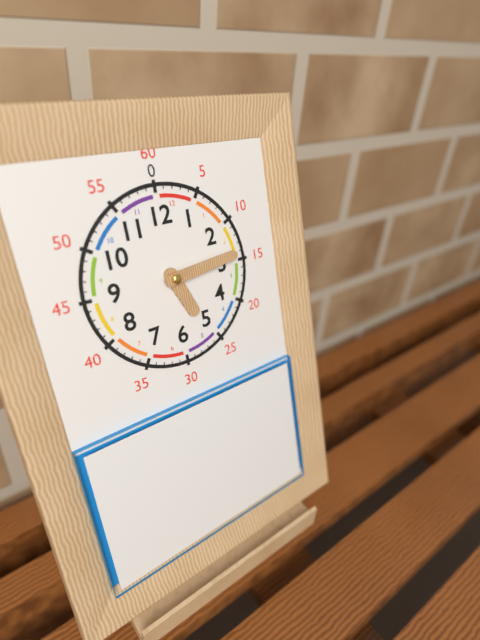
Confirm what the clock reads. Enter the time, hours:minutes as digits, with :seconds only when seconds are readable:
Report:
5:14
